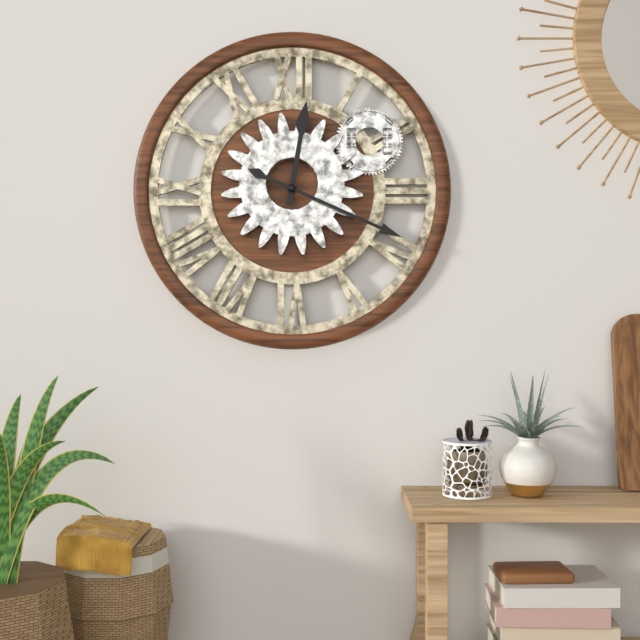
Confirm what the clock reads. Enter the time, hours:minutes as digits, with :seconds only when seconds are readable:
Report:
12:19
